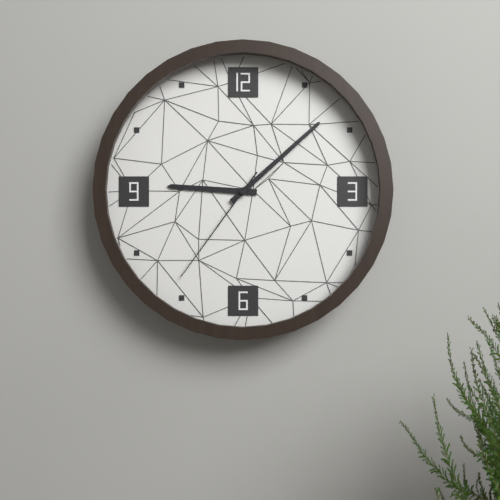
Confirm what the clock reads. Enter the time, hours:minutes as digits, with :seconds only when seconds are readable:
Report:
9:08:36
